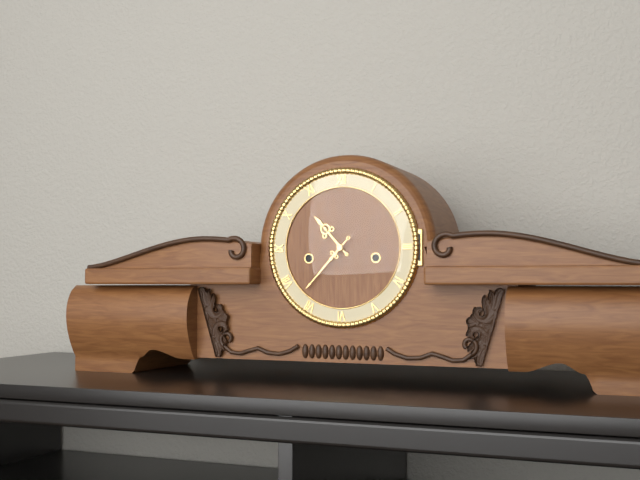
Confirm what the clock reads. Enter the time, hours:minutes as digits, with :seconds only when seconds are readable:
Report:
10:37
